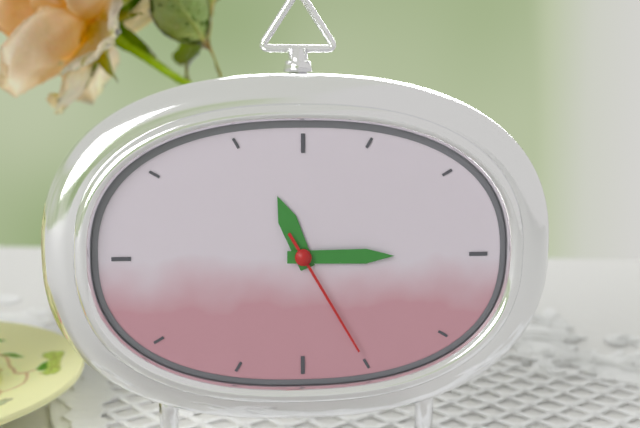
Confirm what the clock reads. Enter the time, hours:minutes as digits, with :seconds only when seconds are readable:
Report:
11:15:25
